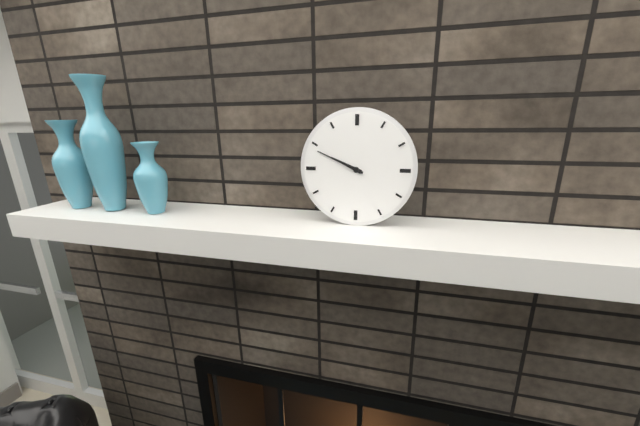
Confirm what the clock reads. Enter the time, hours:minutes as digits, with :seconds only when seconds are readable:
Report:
9:49
